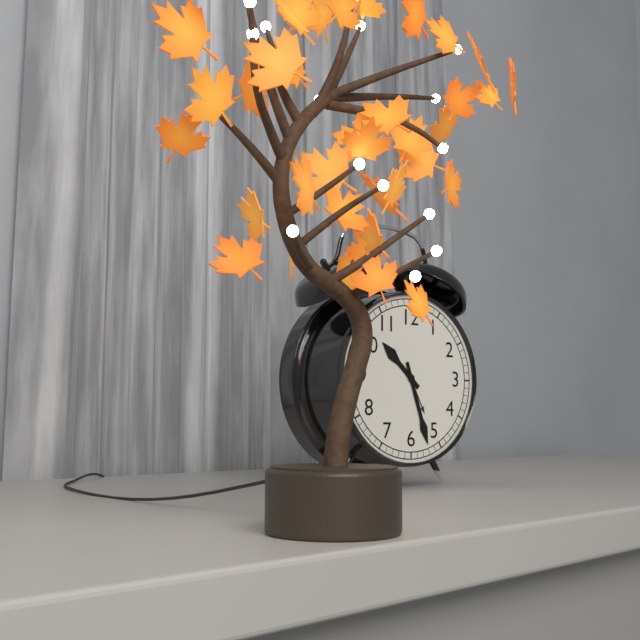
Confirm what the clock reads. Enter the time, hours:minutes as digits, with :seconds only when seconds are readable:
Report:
10:27
